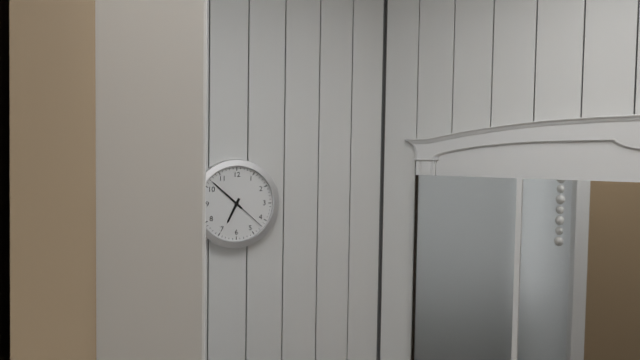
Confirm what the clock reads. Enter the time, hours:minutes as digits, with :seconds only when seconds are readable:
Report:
6:52
